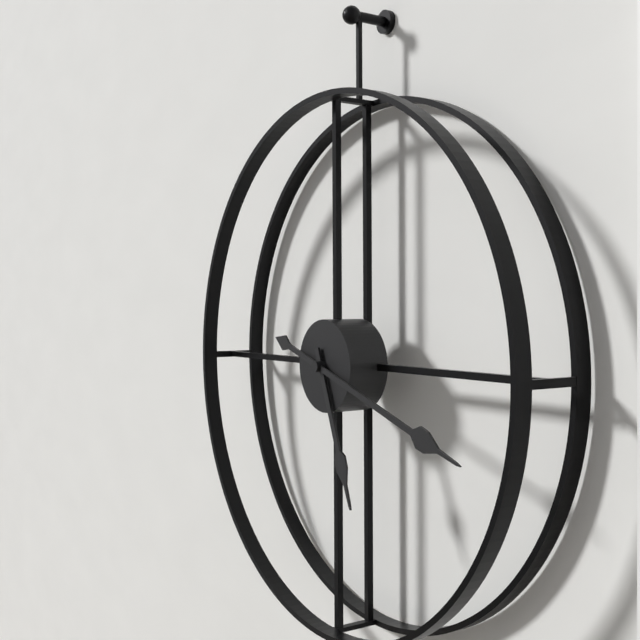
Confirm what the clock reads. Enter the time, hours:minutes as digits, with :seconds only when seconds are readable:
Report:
5:18
